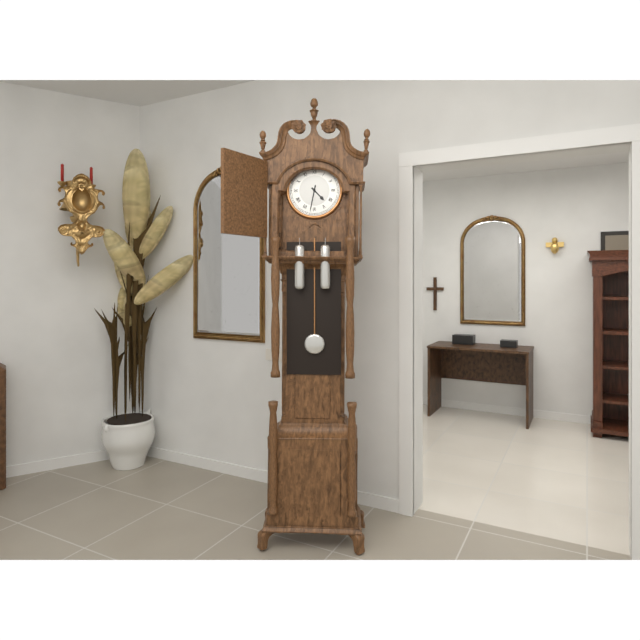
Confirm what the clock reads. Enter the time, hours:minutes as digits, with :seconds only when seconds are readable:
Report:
4:32
